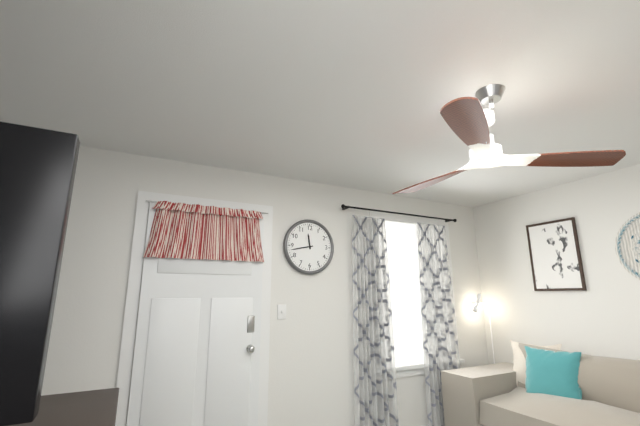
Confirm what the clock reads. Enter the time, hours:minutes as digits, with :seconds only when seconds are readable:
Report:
11:43
